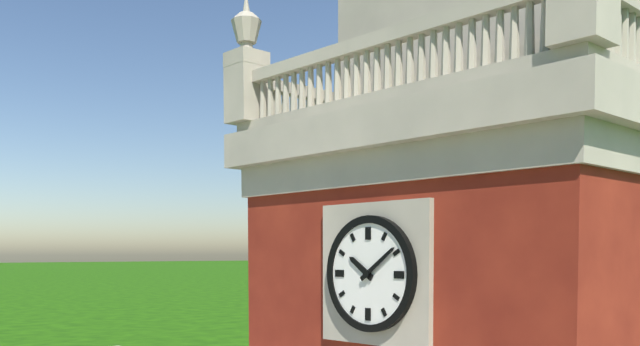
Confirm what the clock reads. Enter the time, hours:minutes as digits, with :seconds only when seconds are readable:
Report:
10:09
